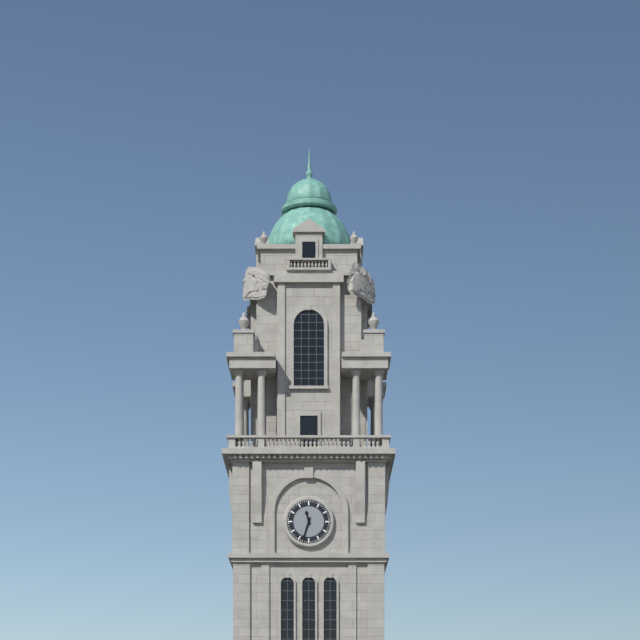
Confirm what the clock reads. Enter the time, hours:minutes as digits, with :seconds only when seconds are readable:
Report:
11:33
